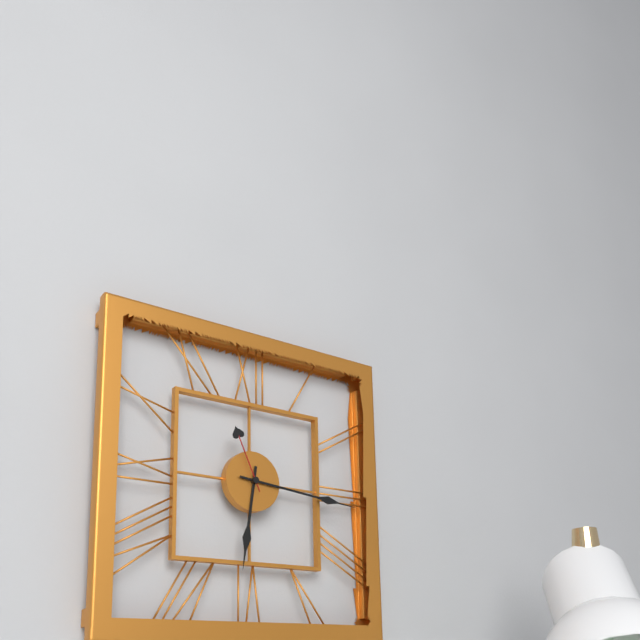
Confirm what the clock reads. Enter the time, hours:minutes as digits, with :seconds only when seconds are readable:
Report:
6:16:56
